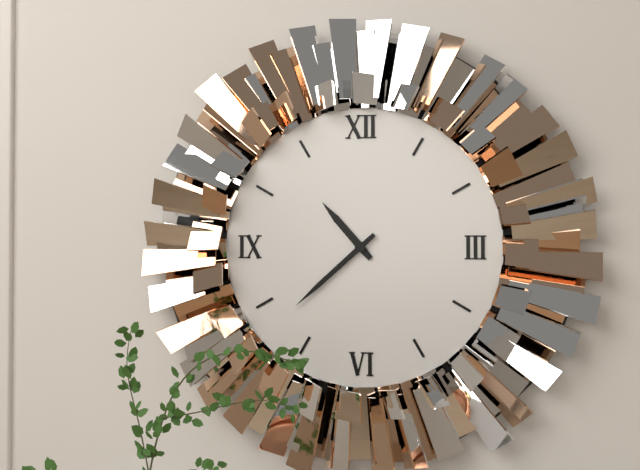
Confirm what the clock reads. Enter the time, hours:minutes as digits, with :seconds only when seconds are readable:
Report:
10:38
